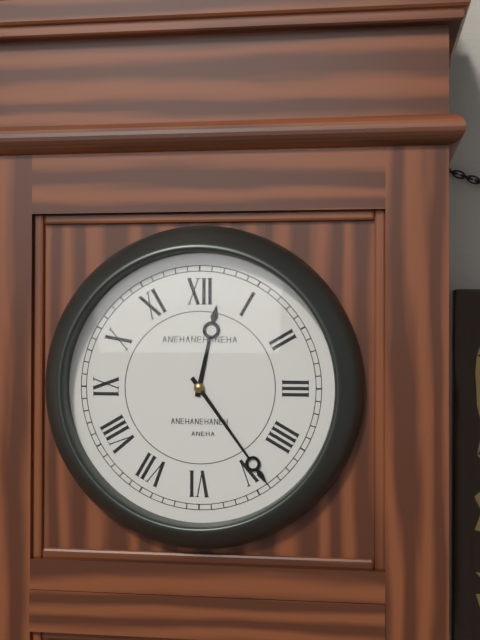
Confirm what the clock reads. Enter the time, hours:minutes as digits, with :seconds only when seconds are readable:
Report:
12:24
